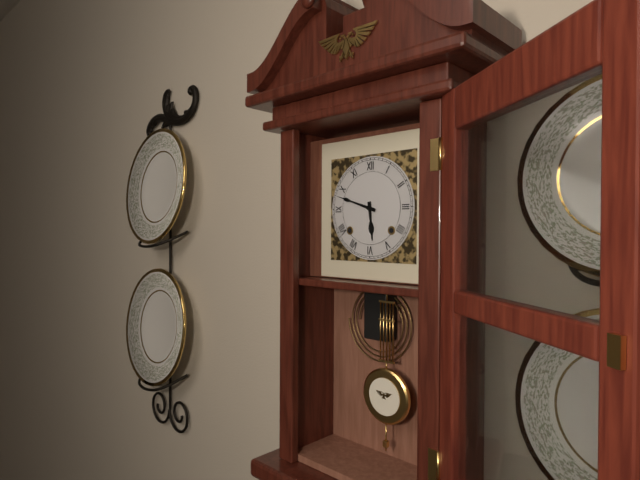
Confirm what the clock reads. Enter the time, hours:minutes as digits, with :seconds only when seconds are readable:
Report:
5:48
